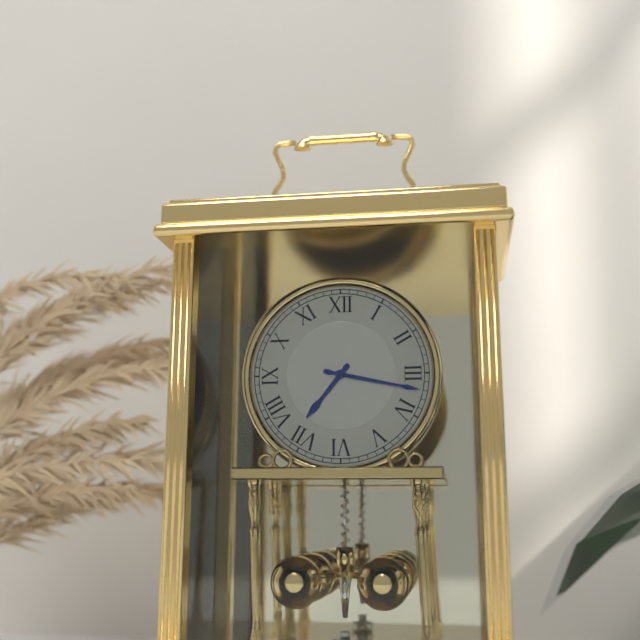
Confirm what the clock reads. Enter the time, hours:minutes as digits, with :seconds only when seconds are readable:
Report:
7:17
